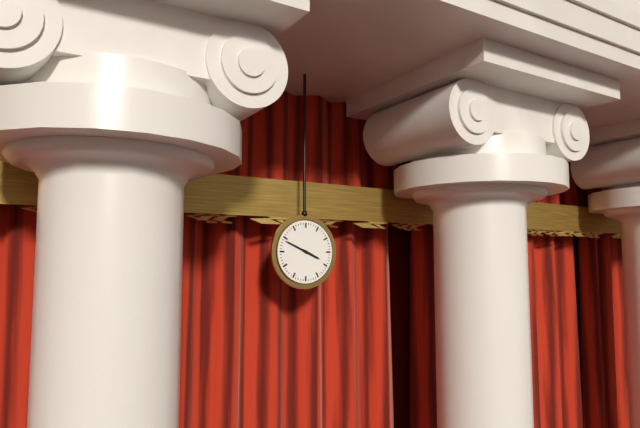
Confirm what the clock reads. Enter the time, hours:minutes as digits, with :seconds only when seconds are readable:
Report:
3:49
